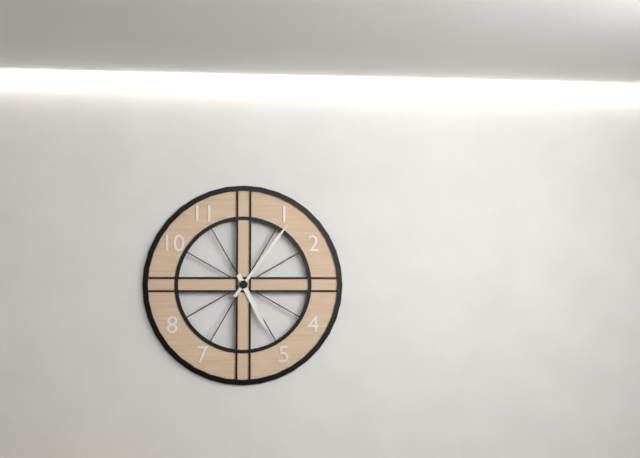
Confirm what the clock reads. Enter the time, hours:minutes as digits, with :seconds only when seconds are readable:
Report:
5:06
